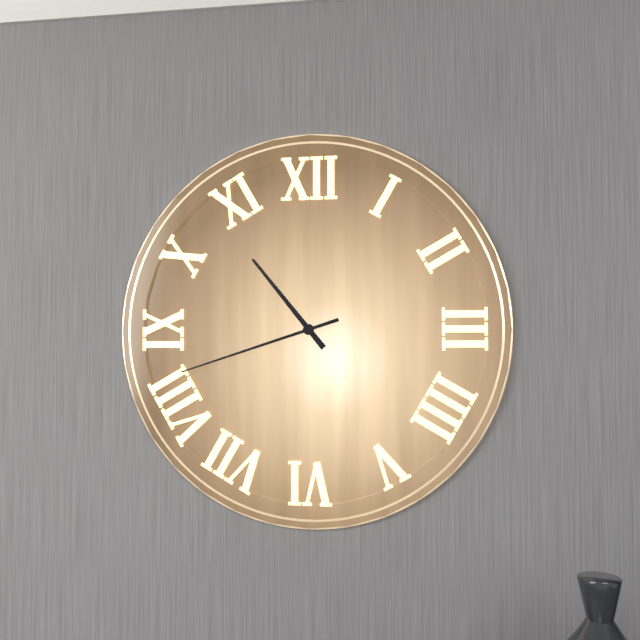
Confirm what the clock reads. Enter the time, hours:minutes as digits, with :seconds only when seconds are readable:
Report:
10:42
